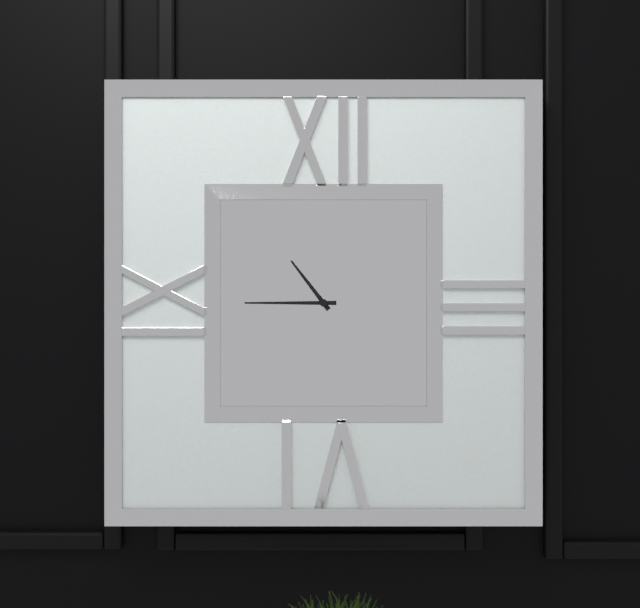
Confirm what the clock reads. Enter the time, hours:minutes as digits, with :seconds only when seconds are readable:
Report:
10:45
